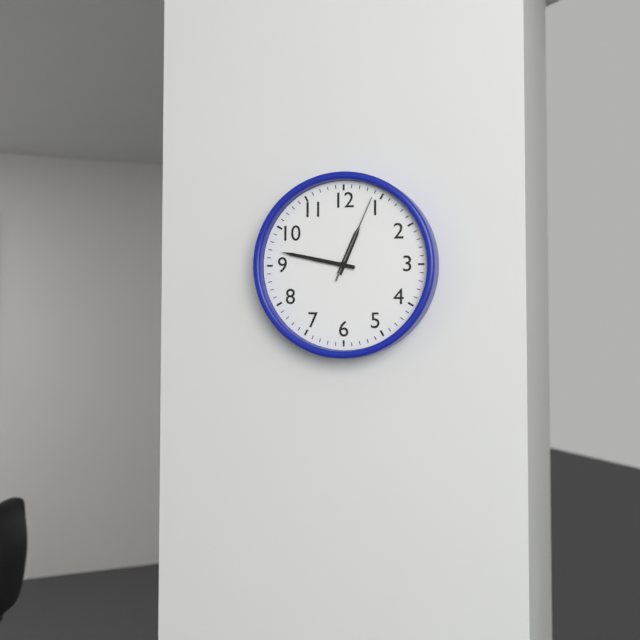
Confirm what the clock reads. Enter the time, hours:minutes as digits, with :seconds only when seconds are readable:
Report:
12:47:04
